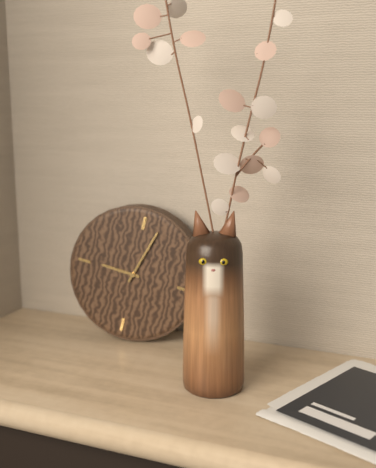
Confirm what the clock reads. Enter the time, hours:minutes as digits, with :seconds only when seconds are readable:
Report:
9:03
